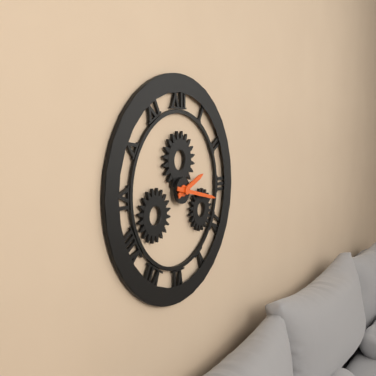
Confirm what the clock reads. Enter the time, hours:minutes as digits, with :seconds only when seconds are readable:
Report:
2:17
